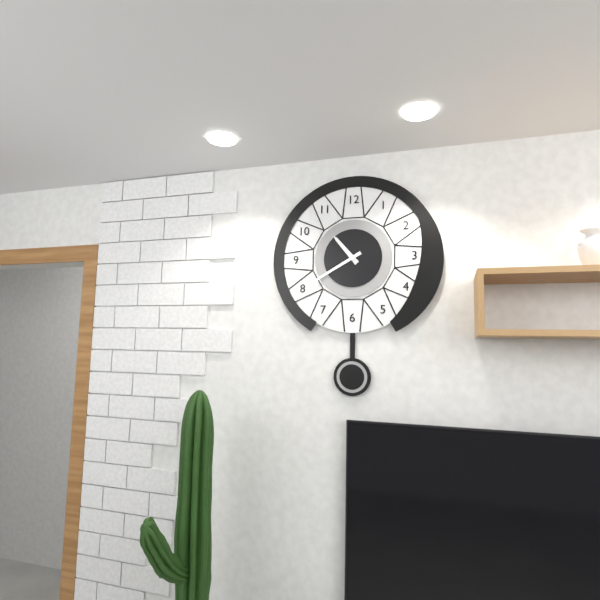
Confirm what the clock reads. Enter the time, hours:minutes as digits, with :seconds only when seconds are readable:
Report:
10:40
